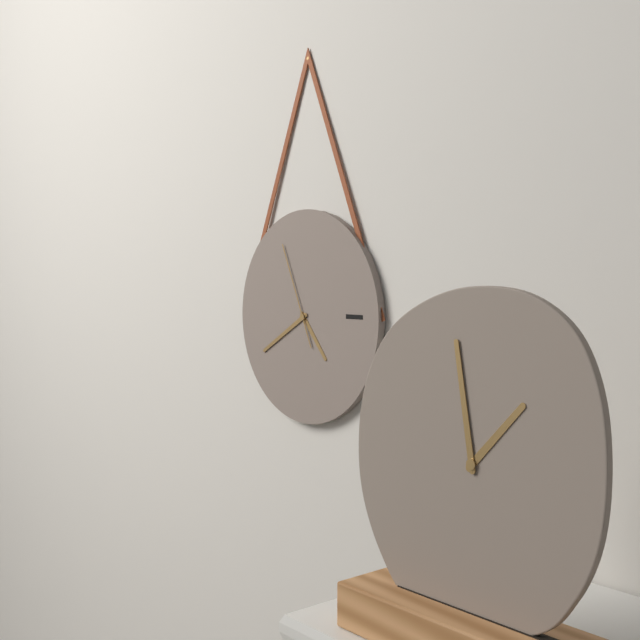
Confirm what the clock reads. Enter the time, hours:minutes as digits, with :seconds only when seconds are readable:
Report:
4:40:56
